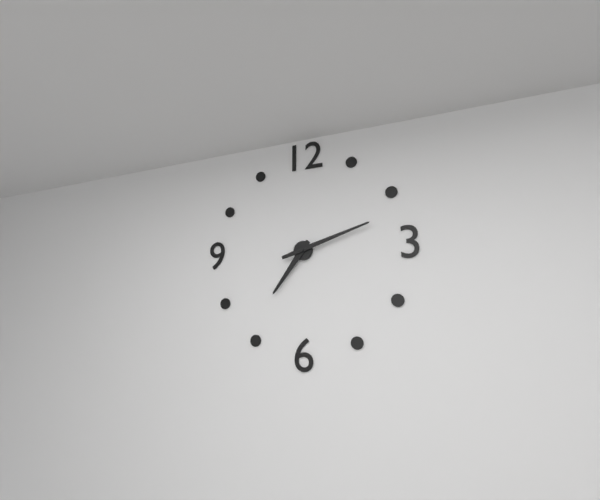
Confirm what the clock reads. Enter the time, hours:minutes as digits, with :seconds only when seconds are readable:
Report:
7:12
